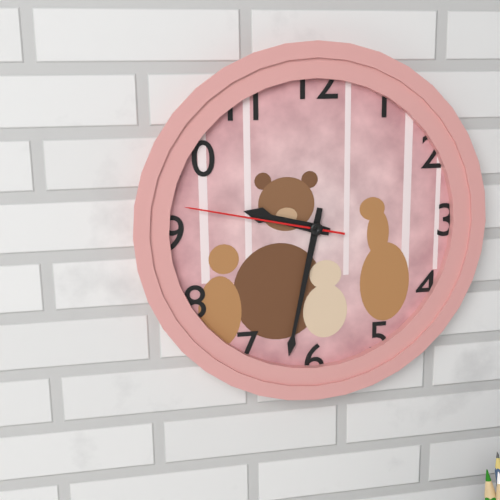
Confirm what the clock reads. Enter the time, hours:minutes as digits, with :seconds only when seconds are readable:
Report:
9:32:47
